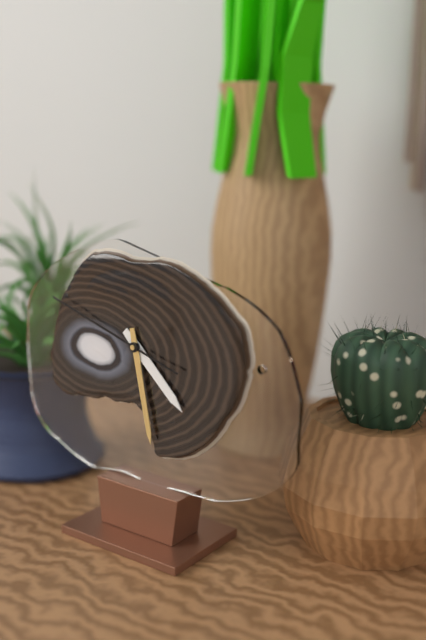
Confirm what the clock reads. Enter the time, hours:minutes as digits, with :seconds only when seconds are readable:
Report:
4:28:48
